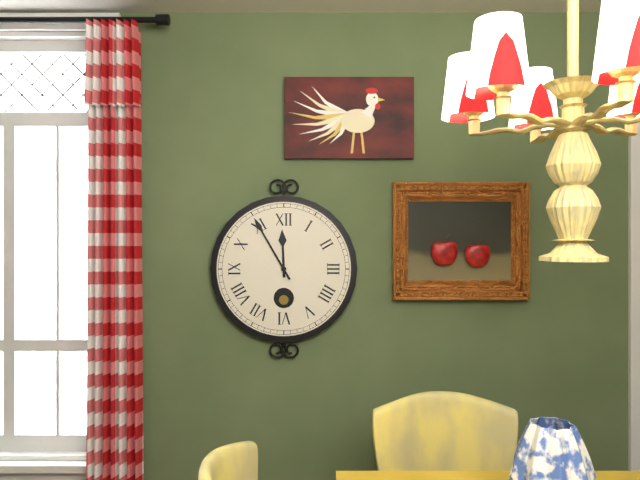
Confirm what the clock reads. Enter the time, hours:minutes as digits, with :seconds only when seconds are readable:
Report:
11:55
